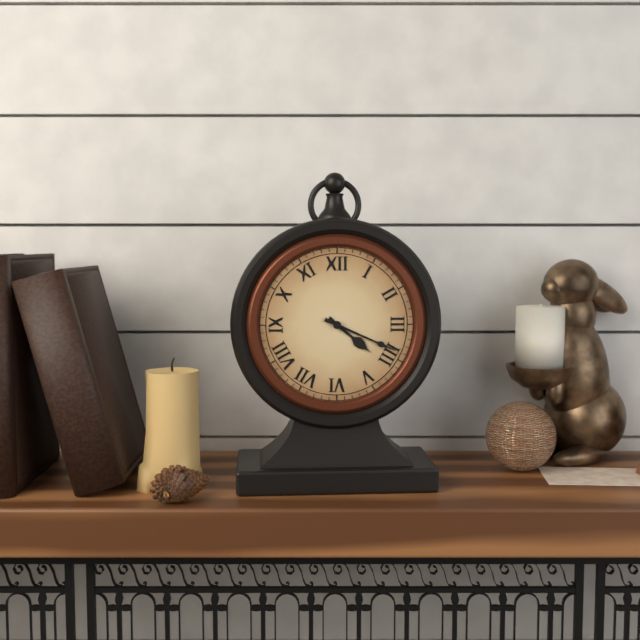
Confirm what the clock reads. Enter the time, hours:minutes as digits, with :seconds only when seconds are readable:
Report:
4:19
